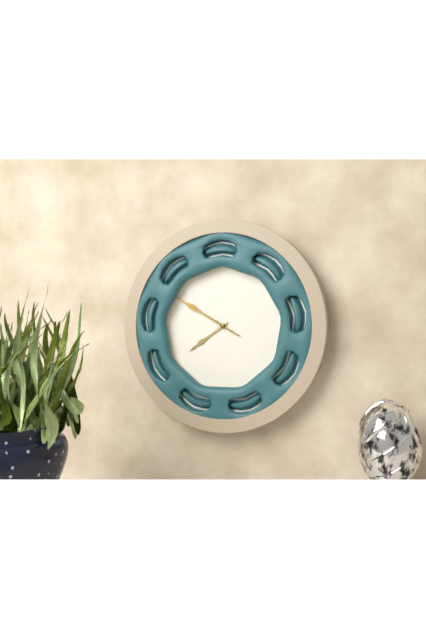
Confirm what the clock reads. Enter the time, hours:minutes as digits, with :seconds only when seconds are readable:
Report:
7:50
